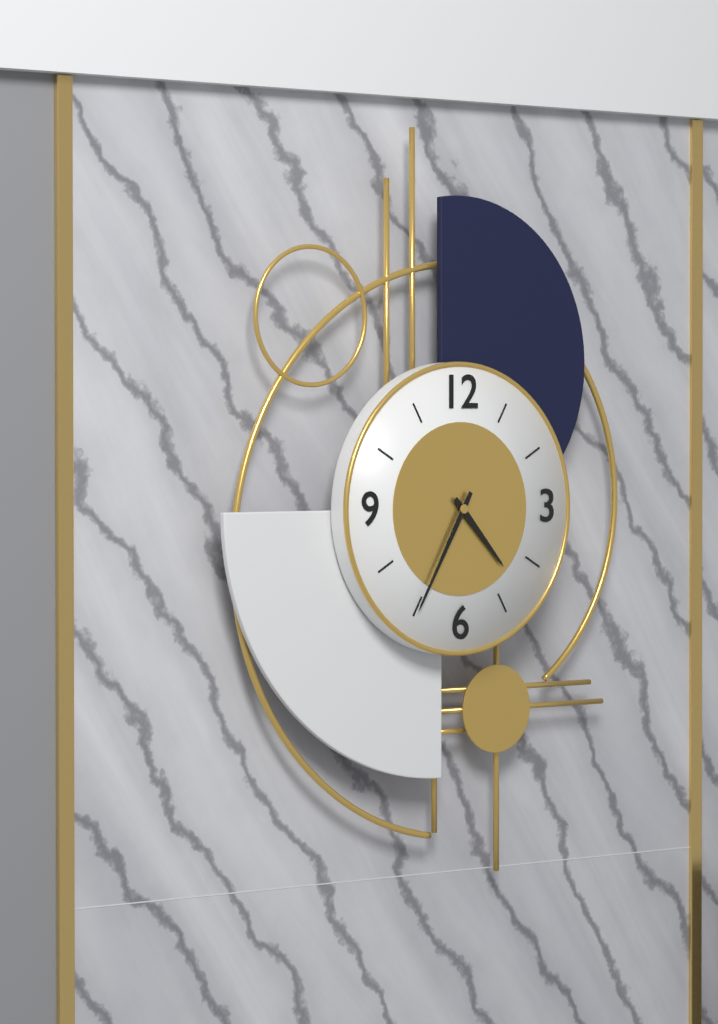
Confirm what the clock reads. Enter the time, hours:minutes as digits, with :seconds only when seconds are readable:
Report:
4:35
